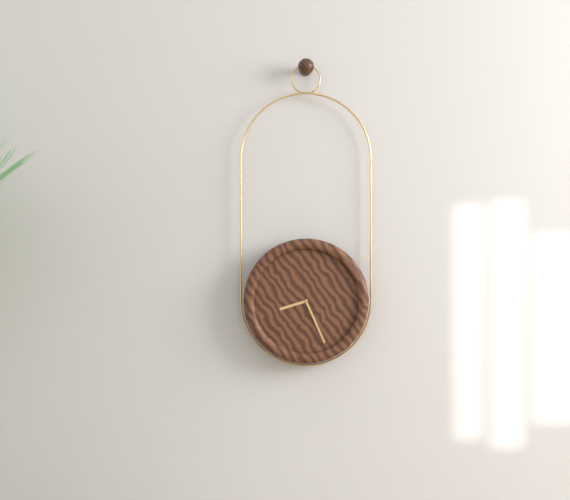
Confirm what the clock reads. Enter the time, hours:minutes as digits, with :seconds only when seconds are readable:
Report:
8:26
